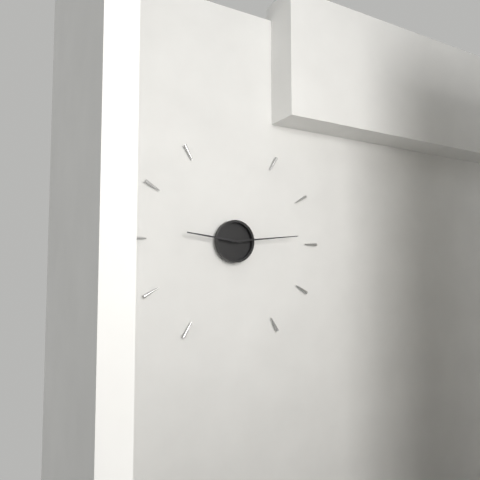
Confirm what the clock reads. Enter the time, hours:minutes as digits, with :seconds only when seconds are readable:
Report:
9:14
